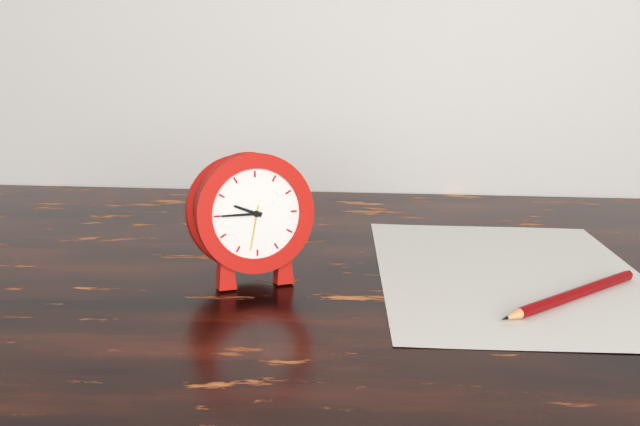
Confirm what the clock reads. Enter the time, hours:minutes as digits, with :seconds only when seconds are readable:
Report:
9:45
